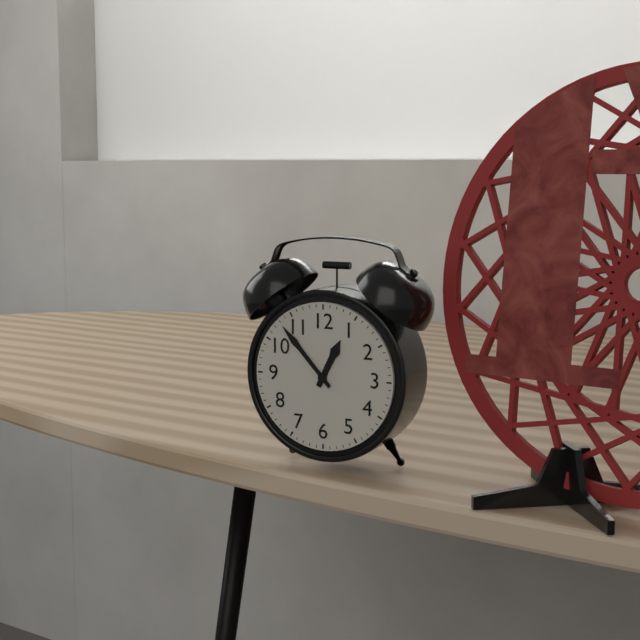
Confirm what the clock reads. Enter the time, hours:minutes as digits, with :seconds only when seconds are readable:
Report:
12:53
